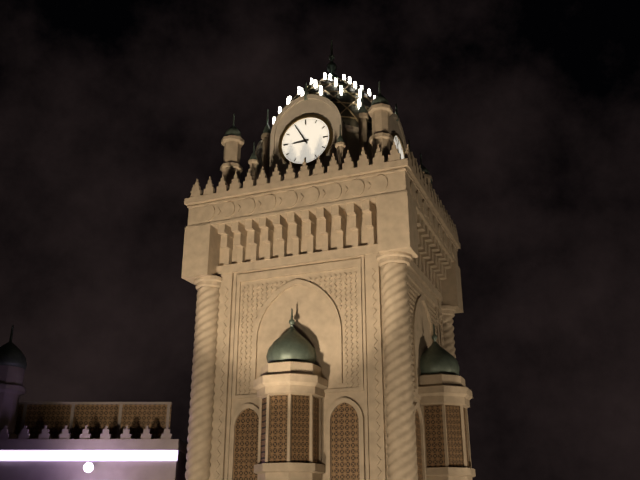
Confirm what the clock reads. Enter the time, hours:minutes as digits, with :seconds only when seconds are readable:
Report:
8:55
